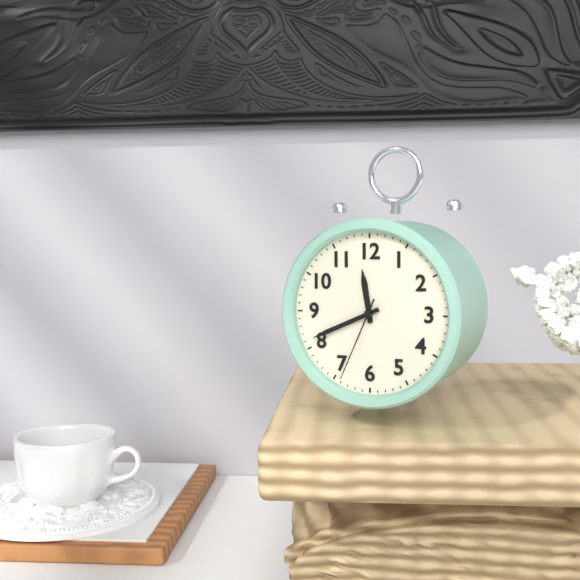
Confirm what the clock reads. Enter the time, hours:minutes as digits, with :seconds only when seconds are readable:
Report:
11:41:34
